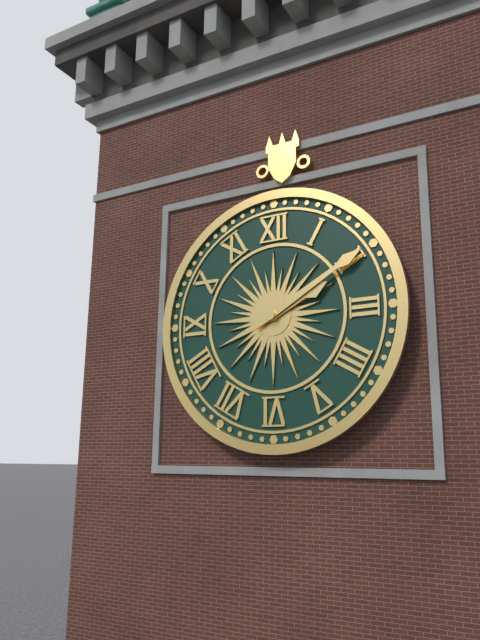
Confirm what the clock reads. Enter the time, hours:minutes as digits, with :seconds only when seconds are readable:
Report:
2:10
